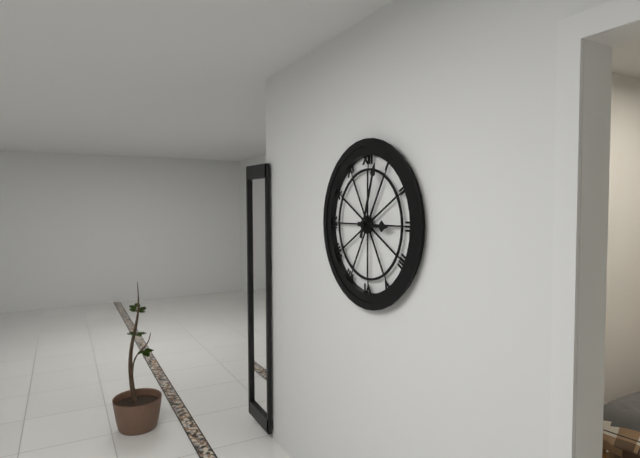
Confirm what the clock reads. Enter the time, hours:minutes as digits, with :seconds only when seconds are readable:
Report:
3:03
